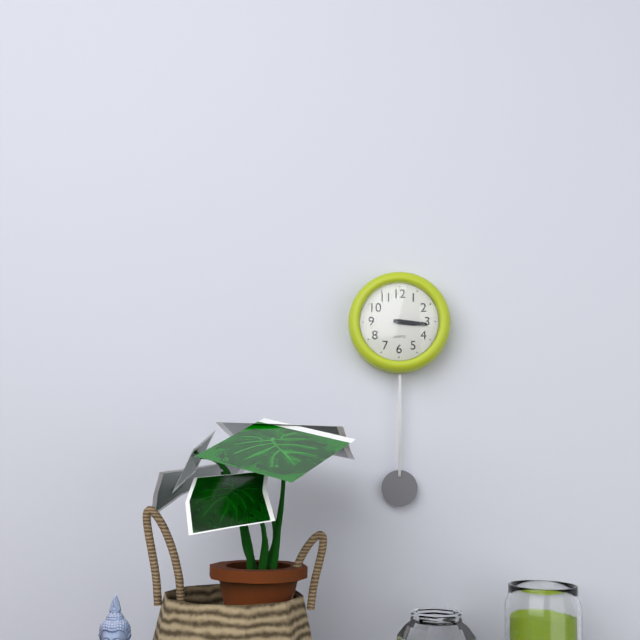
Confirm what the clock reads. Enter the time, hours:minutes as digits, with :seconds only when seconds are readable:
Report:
3:16
